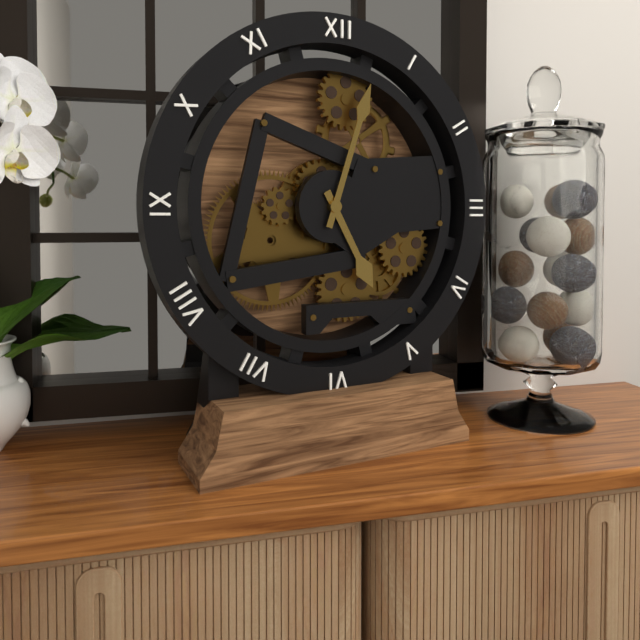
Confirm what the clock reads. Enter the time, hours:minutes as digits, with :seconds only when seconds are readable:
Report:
5:03
